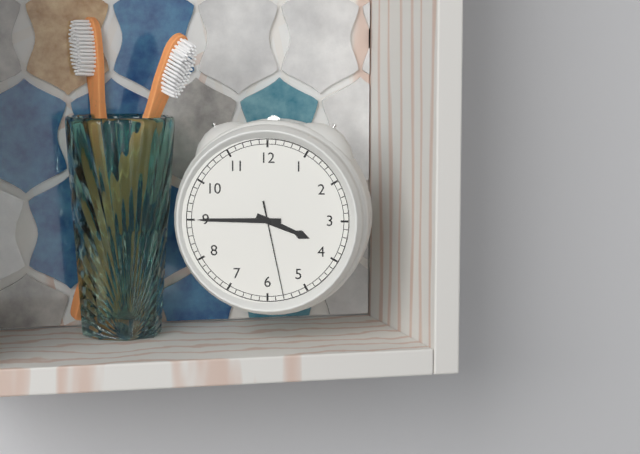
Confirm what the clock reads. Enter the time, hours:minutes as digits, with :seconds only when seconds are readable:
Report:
3:45:28
